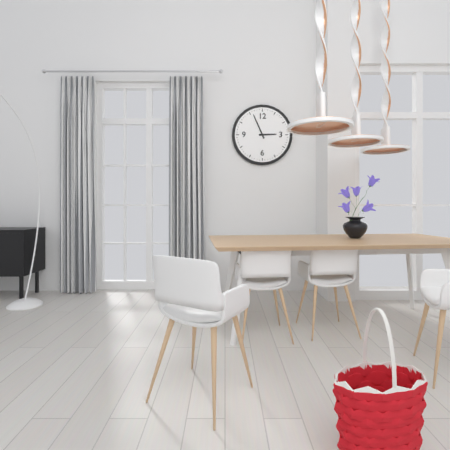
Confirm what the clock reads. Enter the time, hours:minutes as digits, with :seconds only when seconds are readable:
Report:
2:56
